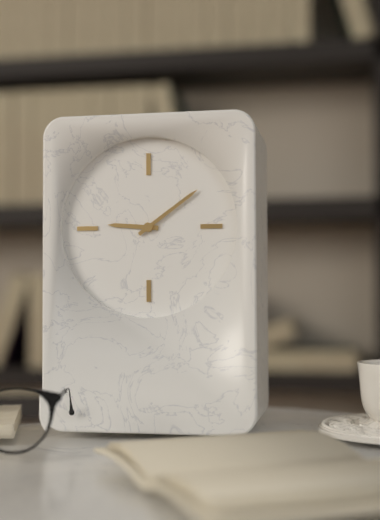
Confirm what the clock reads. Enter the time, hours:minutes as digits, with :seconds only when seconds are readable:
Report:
9:09
